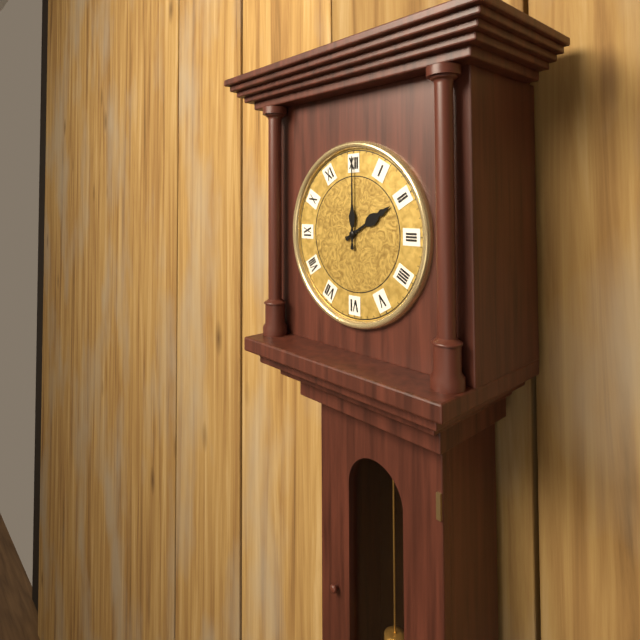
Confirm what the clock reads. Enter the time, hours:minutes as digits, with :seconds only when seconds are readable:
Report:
2:00
